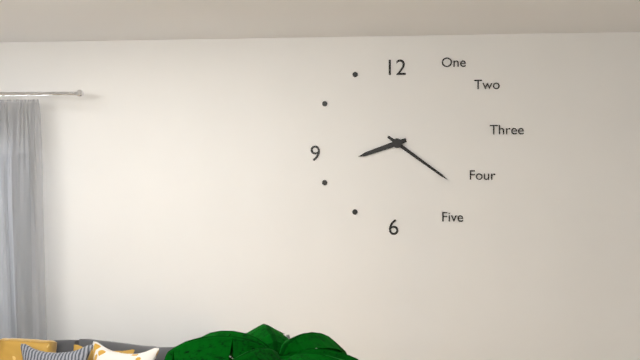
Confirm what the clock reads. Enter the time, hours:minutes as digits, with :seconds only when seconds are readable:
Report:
8:21
